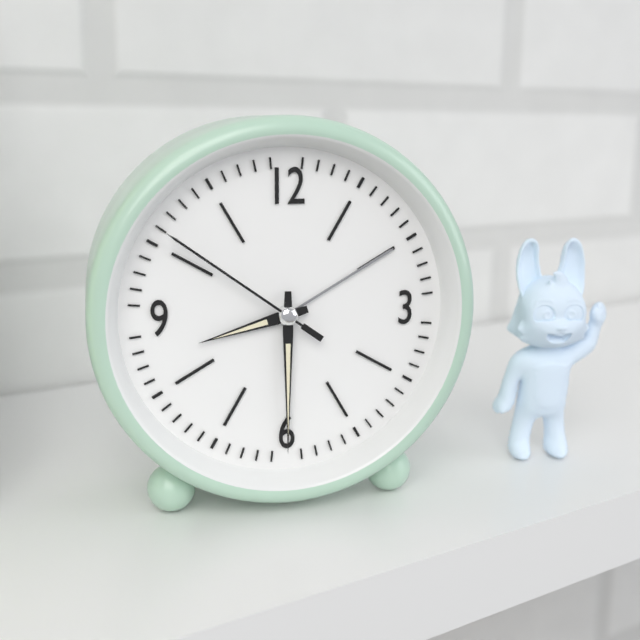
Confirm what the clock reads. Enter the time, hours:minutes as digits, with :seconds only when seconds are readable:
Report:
8:30:51
